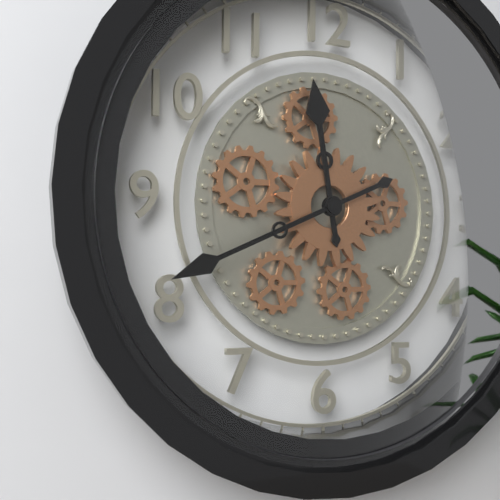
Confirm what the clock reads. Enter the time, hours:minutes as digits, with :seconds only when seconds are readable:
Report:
11:41
